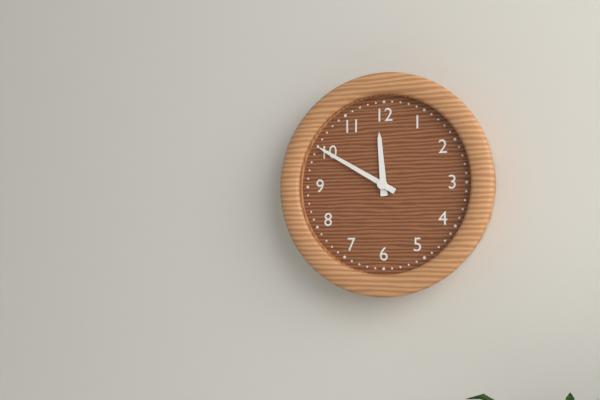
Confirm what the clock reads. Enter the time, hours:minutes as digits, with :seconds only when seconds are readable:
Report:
11:50
